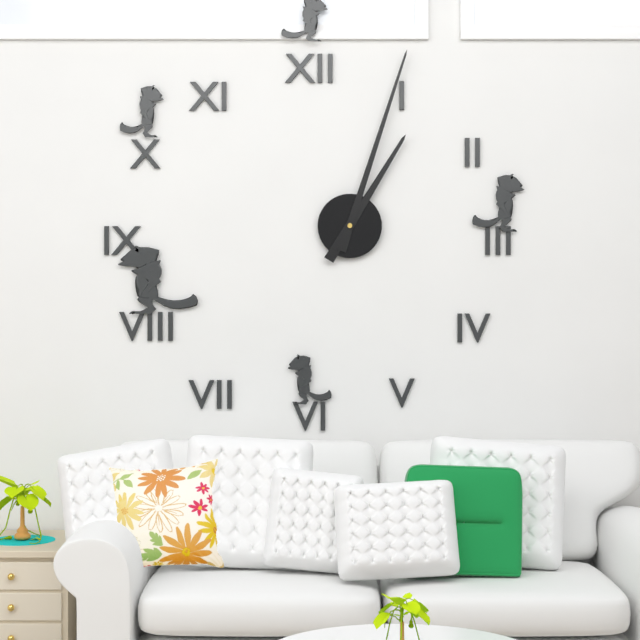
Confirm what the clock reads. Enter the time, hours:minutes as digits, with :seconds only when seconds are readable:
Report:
1:03
